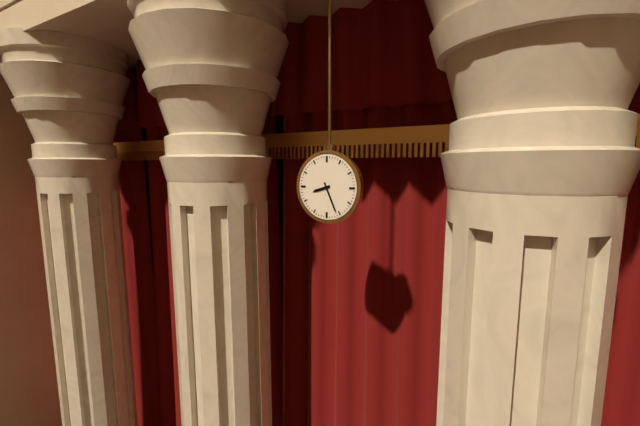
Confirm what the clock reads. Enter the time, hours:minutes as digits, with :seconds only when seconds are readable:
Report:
8:26
